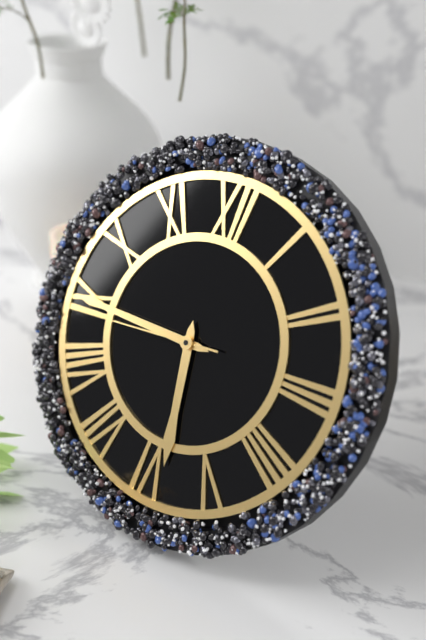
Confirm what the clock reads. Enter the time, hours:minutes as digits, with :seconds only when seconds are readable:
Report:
5:45:44
